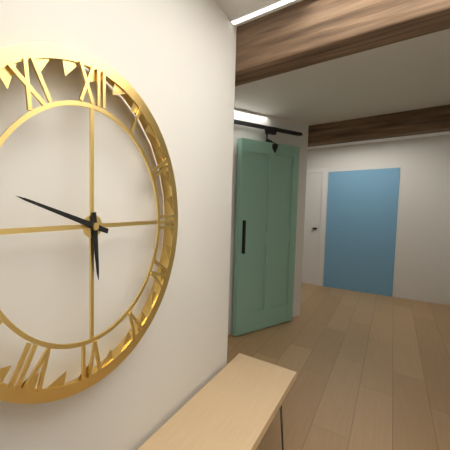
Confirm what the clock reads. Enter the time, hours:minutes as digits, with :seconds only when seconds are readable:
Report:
5:48
